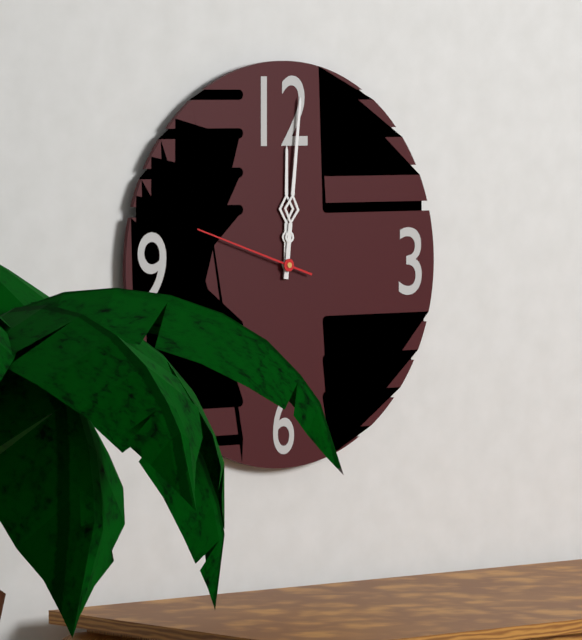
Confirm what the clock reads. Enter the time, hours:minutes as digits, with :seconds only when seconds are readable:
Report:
12:01:48
